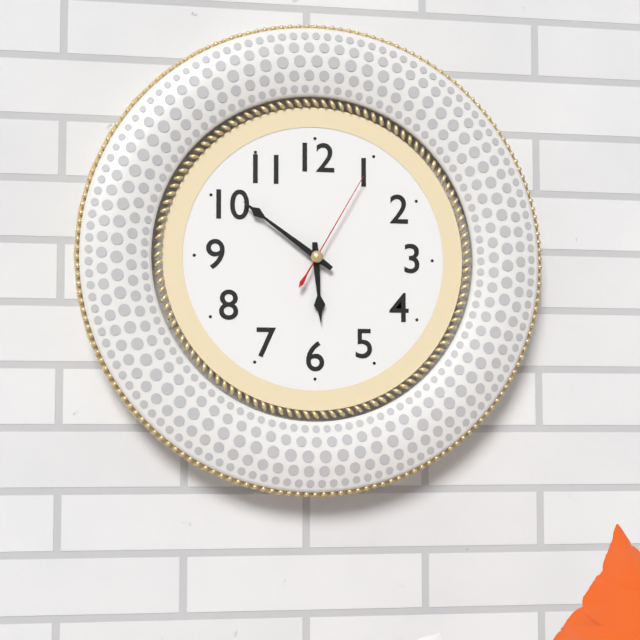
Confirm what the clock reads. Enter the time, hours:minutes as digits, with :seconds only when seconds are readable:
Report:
5:51:05
